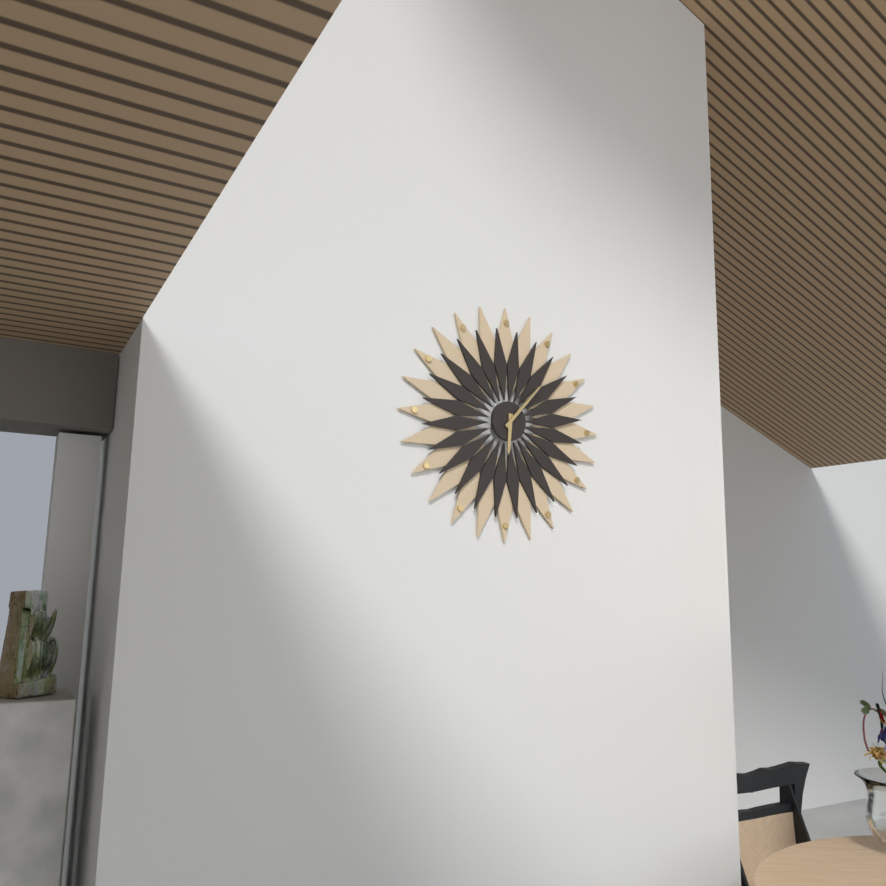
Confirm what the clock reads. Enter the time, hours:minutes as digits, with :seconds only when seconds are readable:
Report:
6:07
